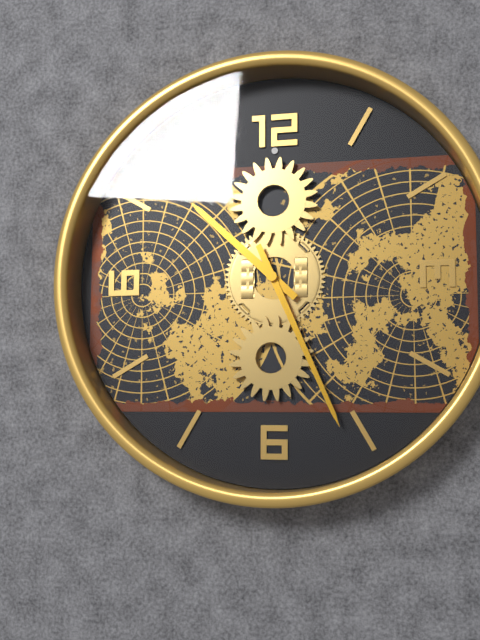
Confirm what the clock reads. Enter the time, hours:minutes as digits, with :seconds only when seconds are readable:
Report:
10:26
